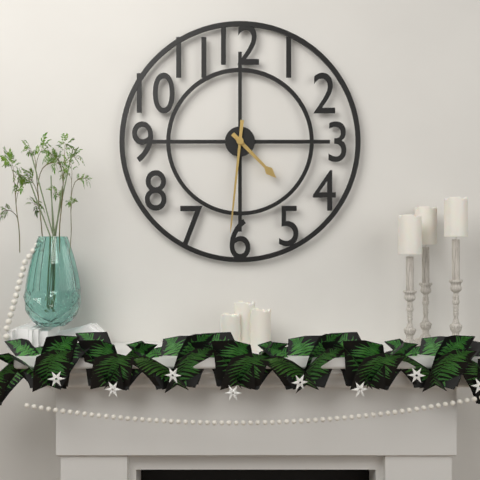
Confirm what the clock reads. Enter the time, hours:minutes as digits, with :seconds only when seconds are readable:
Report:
4:31
